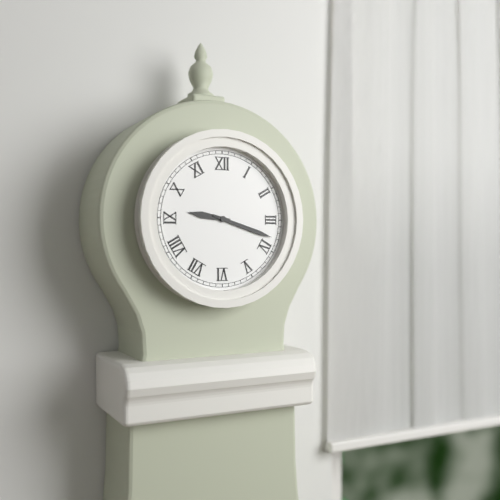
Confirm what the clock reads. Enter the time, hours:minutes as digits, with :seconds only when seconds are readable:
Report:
9:18
